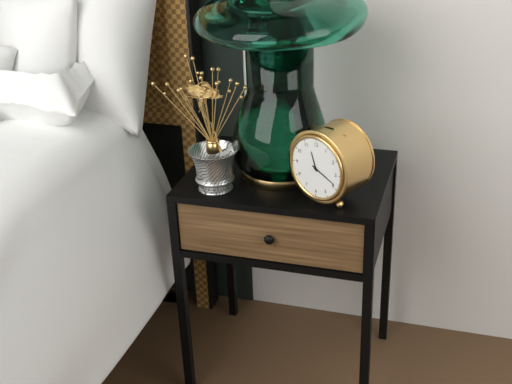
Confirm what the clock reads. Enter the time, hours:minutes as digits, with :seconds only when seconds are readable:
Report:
11:19
